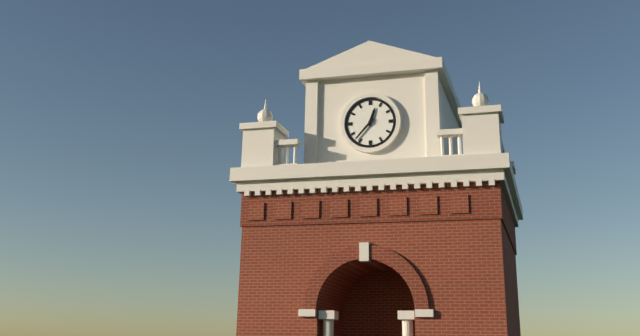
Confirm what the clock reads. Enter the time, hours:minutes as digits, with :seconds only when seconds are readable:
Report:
12:37
